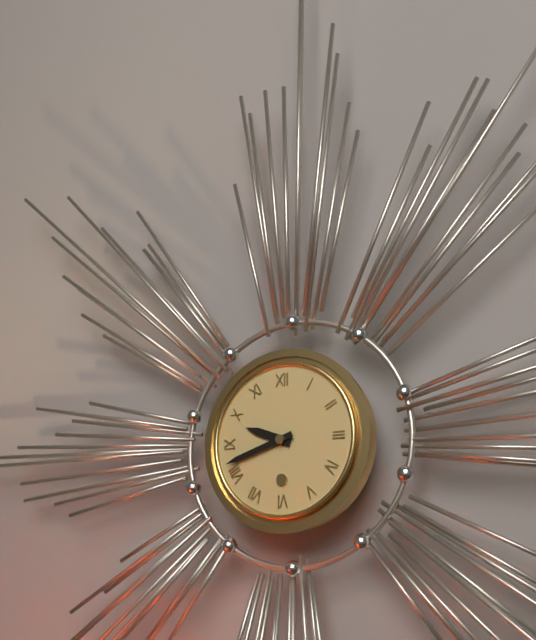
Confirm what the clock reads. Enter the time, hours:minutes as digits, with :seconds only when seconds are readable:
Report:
9:42
